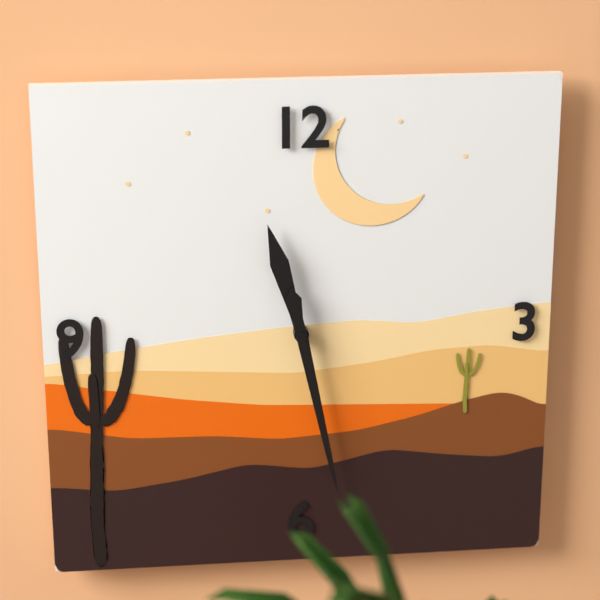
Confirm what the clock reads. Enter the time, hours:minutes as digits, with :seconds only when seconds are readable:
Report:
11:28
